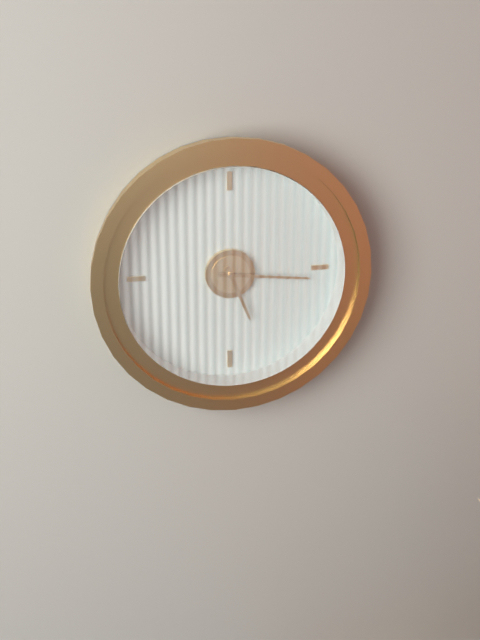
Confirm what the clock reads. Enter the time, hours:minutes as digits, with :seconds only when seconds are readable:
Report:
5:16
